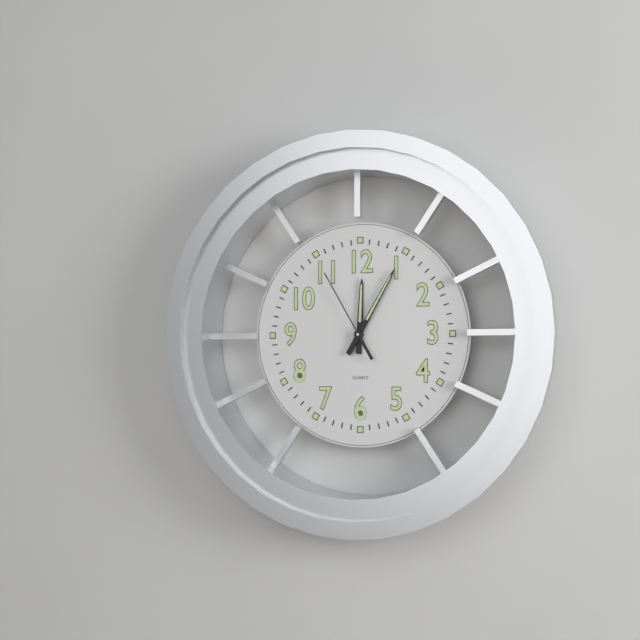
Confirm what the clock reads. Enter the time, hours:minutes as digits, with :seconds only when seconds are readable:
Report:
12:05:55
